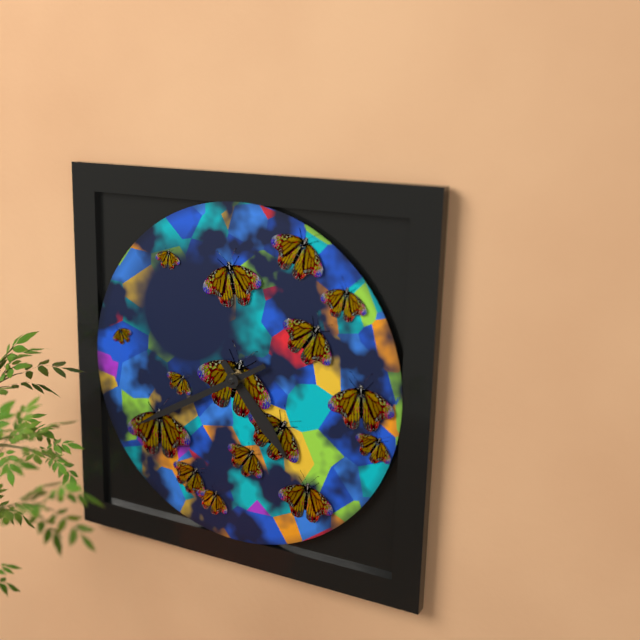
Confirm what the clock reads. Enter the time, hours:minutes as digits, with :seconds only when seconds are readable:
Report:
4:40
